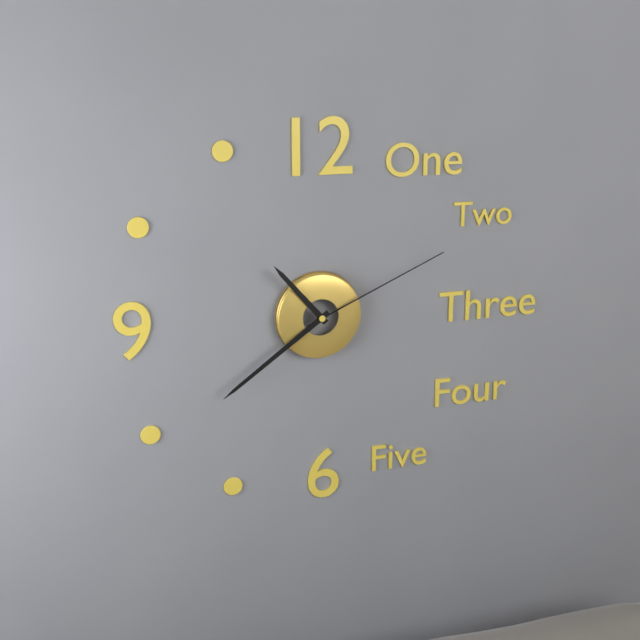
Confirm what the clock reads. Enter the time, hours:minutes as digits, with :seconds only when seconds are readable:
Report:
10:39:11
